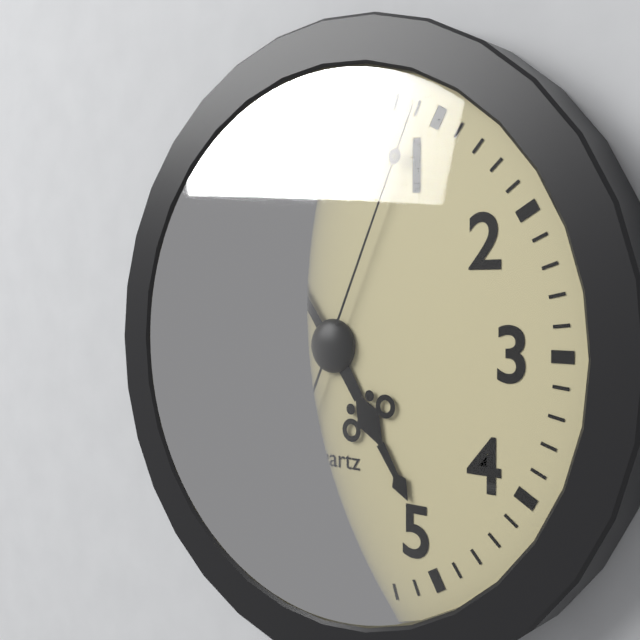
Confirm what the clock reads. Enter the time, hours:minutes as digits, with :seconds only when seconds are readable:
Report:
4:54:04
